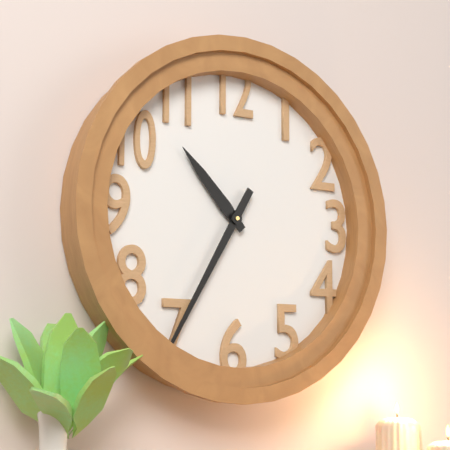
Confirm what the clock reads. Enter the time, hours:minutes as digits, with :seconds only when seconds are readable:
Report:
10:35
